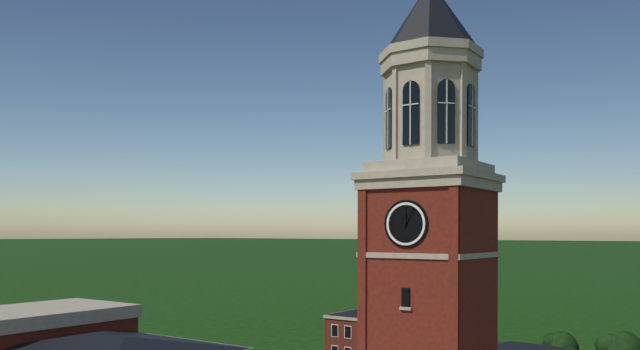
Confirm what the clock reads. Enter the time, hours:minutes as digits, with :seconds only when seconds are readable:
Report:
12:05
